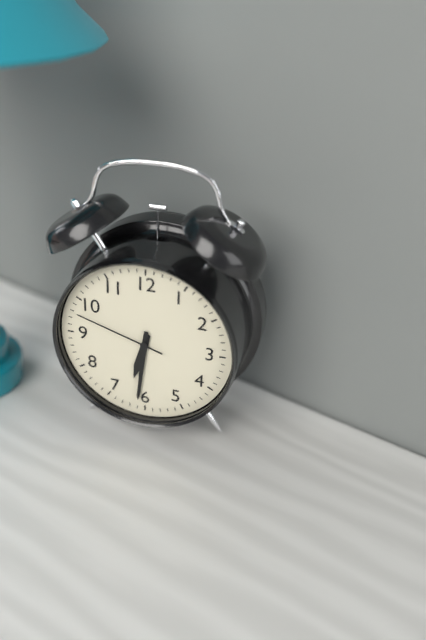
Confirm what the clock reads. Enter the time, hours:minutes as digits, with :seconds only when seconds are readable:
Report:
6:31:48
